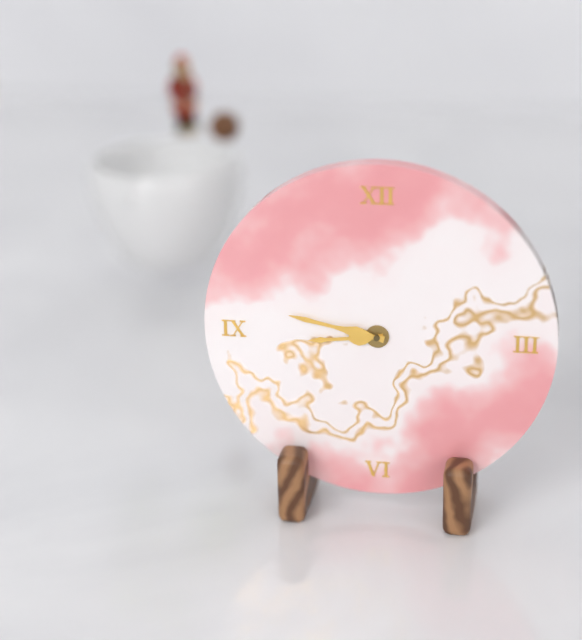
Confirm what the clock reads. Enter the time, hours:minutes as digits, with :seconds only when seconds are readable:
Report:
8:47
